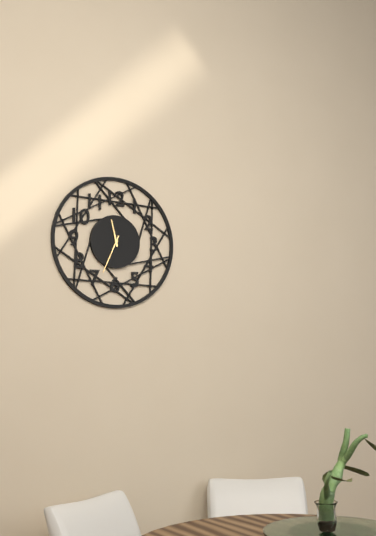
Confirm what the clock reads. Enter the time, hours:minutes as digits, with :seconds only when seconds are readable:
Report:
11:34
